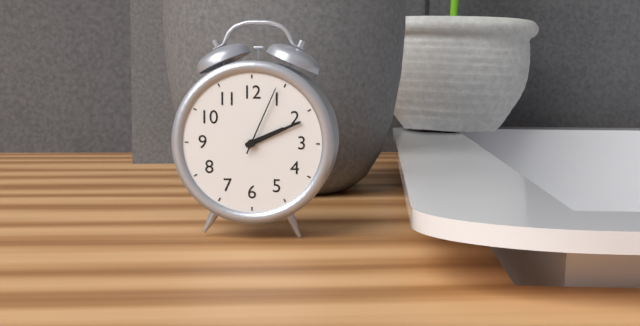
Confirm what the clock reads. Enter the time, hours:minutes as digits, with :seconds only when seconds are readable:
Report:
2:11:04
